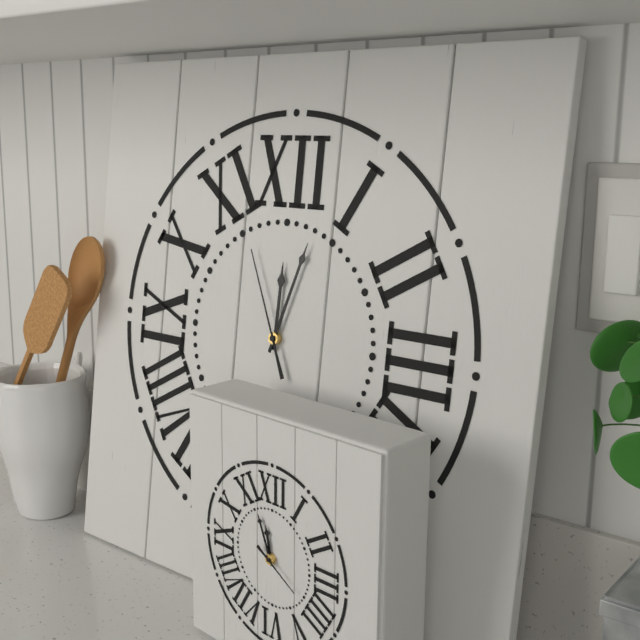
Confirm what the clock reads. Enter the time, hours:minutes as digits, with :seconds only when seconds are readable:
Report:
12:03:56
